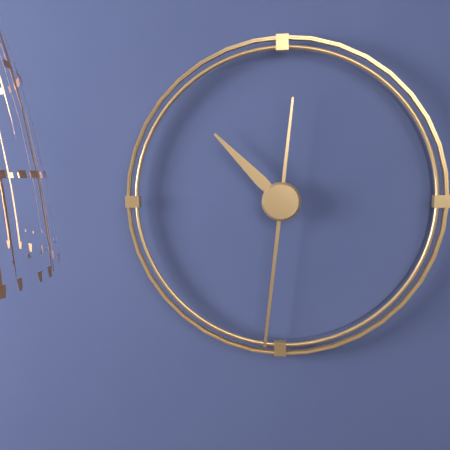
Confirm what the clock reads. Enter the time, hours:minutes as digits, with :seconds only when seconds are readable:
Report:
10:31
